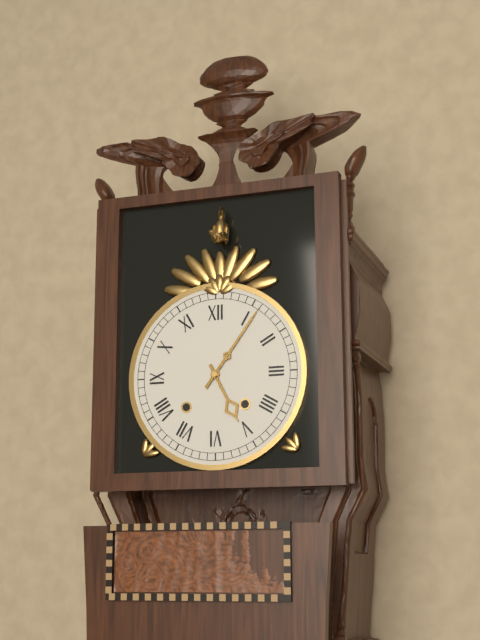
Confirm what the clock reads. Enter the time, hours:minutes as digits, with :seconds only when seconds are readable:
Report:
5:06
